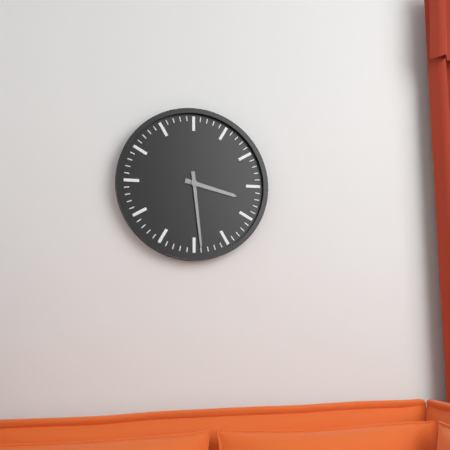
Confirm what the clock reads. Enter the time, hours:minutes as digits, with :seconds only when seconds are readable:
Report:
3:29
